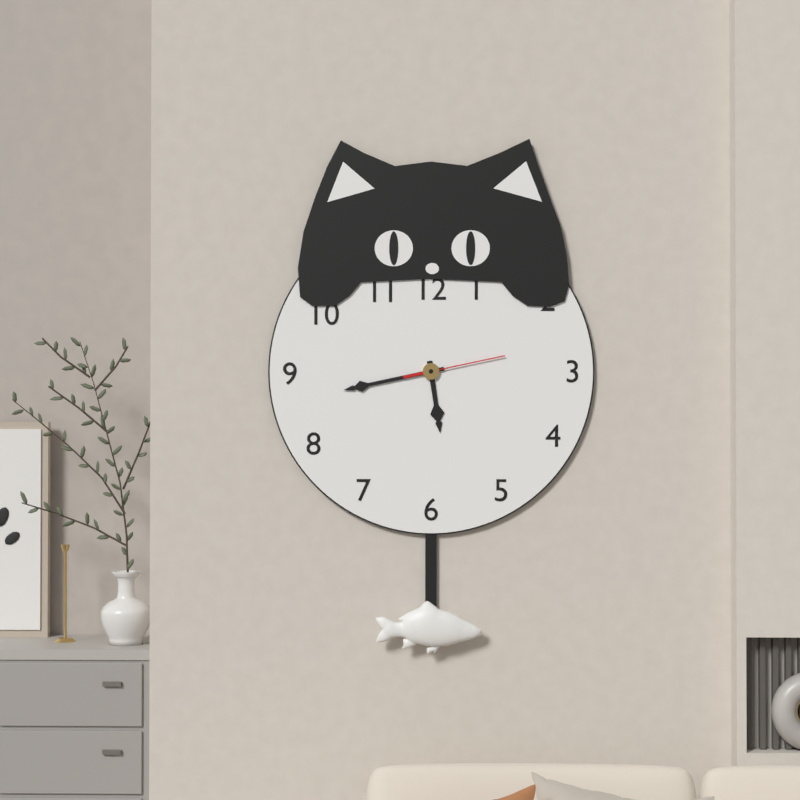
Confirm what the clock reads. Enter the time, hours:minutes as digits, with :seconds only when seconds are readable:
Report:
5:43:13
